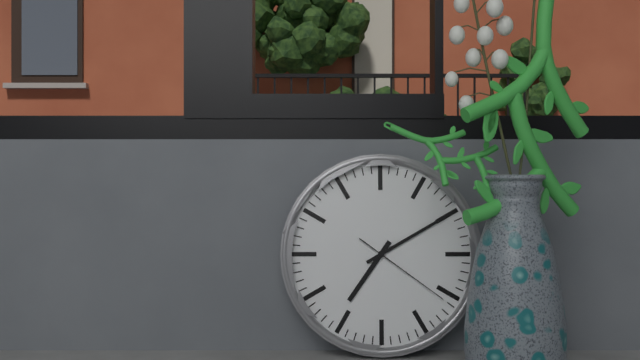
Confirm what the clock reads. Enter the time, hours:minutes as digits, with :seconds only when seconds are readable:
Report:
7:10:21
